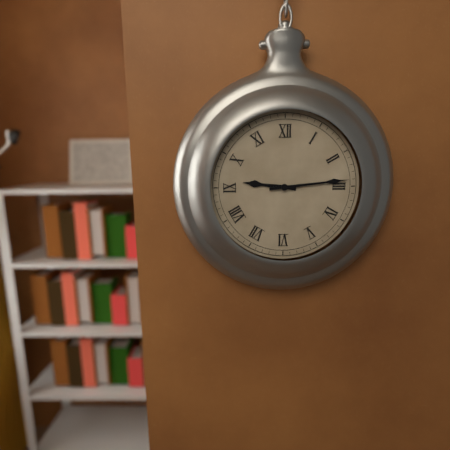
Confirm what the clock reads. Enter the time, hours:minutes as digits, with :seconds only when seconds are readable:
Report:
9:14
